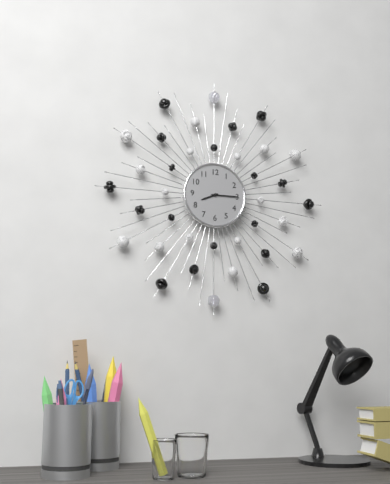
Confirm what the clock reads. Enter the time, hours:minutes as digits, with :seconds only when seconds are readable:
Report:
8:15
